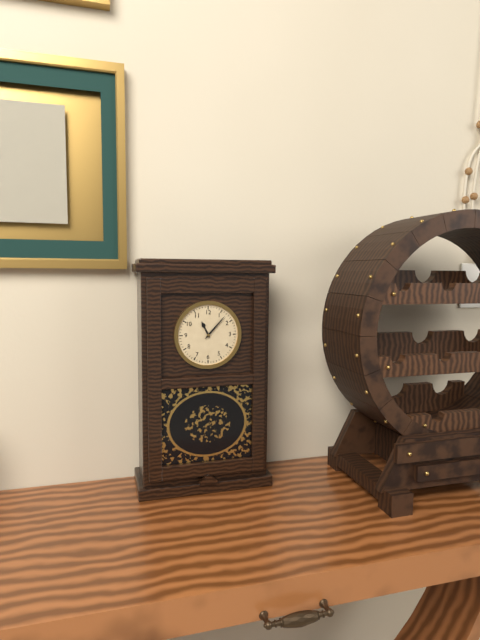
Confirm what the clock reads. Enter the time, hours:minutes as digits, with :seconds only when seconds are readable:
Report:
11:07
